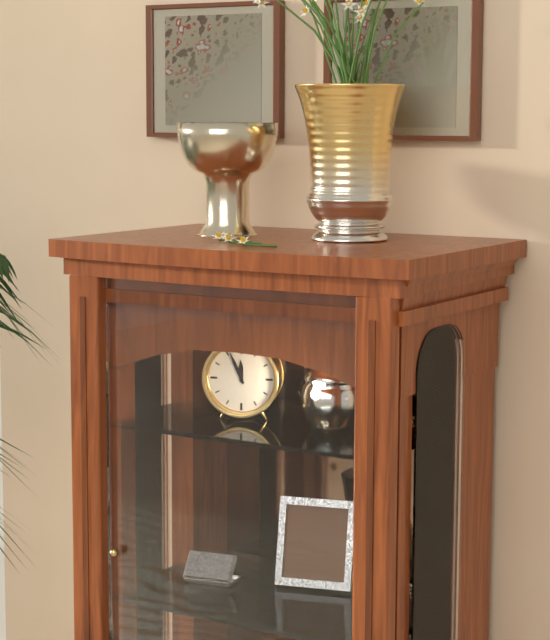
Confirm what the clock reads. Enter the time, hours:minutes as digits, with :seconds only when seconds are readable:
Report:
11:56
